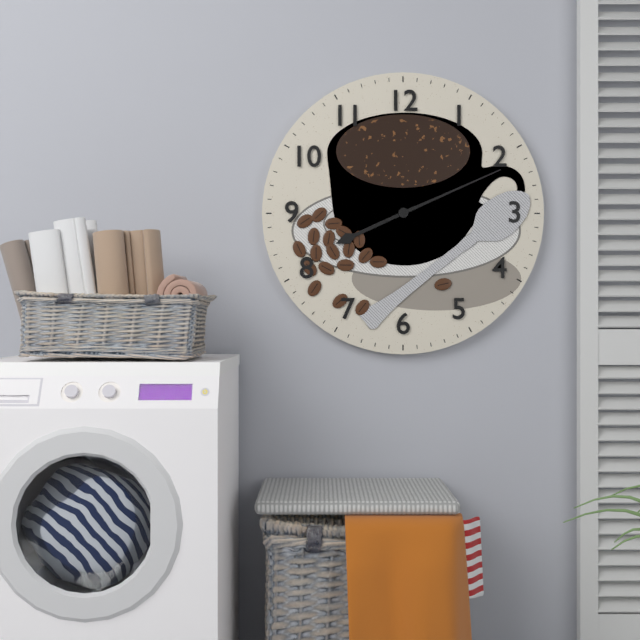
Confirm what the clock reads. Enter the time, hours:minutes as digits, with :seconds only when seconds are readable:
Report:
8:11
